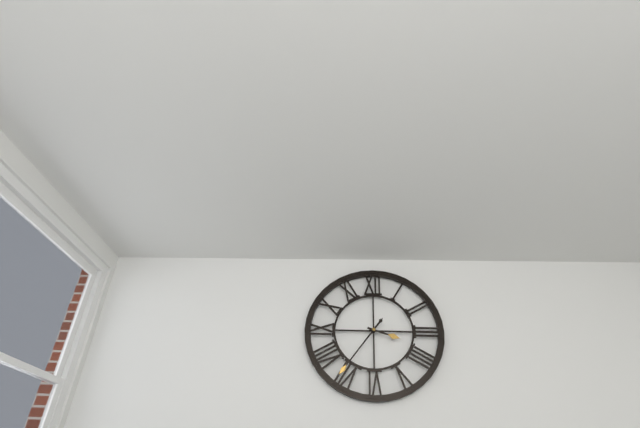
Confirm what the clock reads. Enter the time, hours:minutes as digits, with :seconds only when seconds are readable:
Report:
3:36
